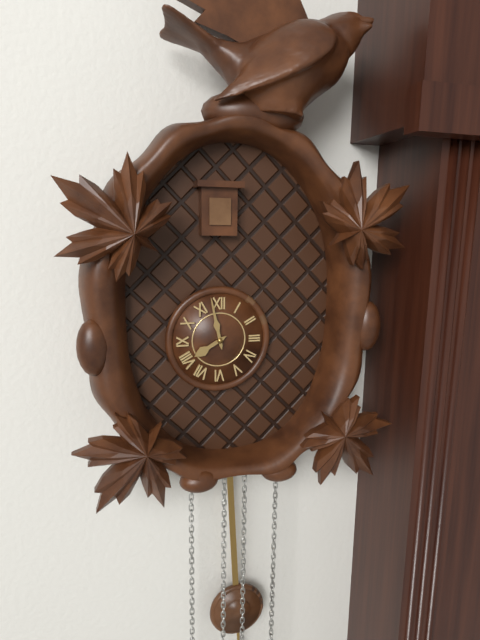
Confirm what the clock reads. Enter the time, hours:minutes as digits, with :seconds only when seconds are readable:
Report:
7:58
